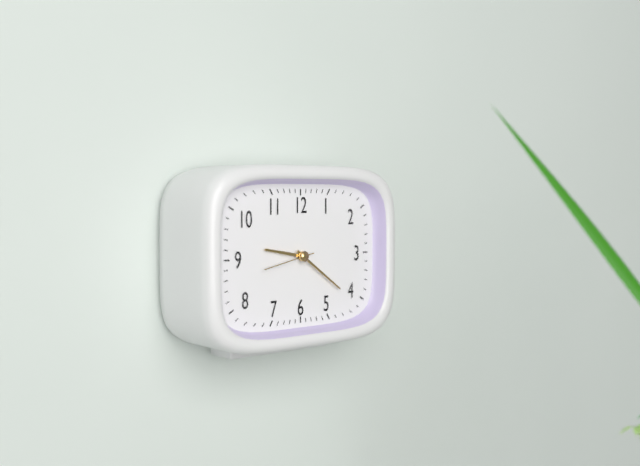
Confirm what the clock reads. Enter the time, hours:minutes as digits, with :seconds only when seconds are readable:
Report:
9:21:43
